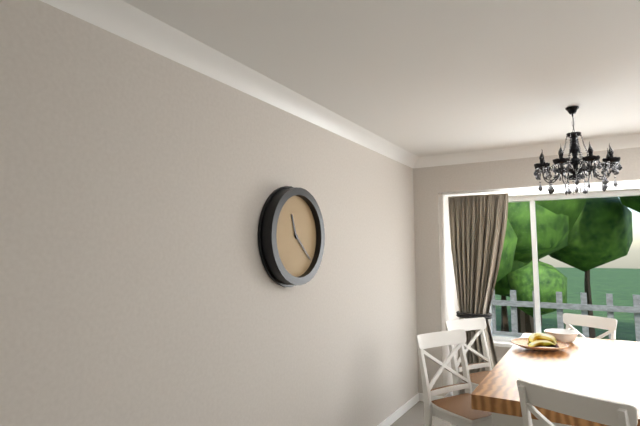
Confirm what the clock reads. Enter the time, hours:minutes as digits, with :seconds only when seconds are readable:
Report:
11:22
